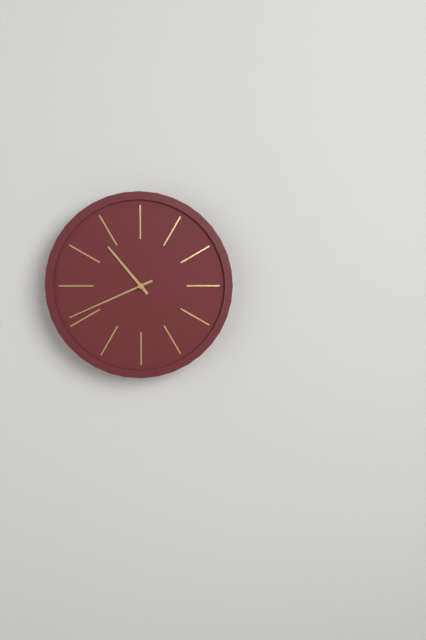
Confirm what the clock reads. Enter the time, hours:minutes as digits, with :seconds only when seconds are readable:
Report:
10:41
